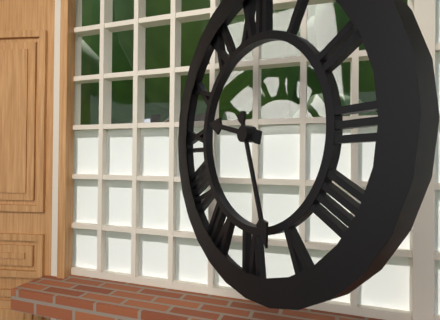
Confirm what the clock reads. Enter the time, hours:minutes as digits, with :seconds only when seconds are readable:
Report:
9:27
